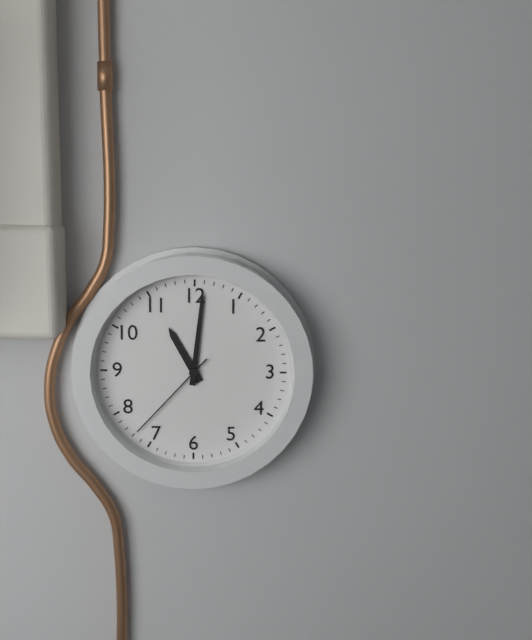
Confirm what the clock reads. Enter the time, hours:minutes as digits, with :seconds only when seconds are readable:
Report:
11:01:37
